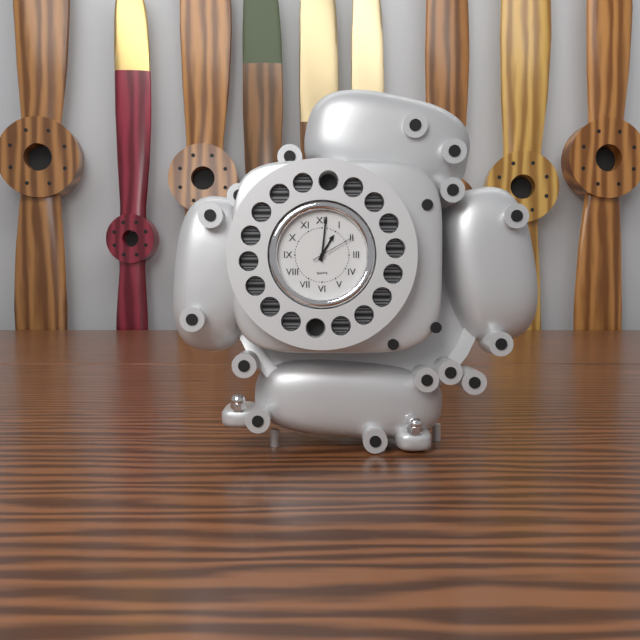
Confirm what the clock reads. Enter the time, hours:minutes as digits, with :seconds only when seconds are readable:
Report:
1:01
